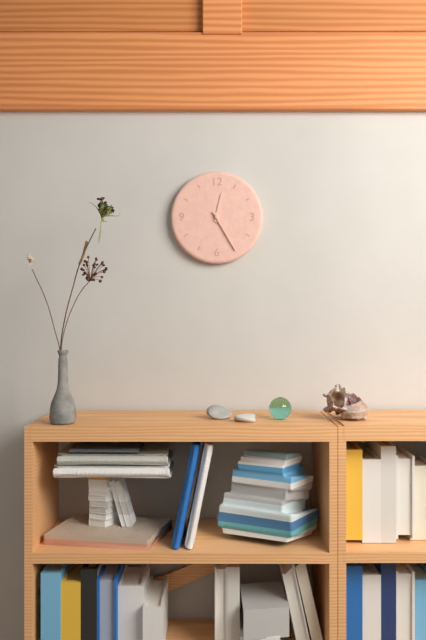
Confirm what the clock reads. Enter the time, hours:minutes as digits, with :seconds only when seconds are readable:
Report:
12:25
